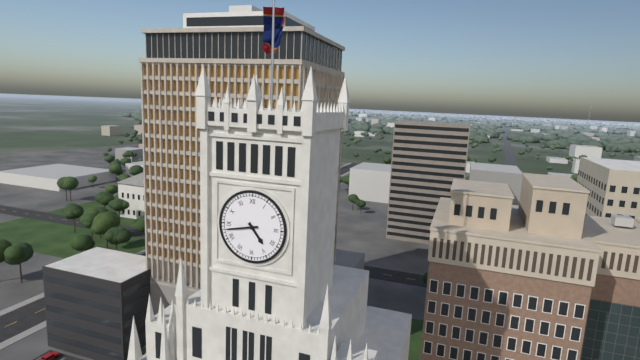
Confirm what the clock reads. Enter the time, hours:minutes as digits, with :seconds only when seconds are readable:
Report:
4:43
